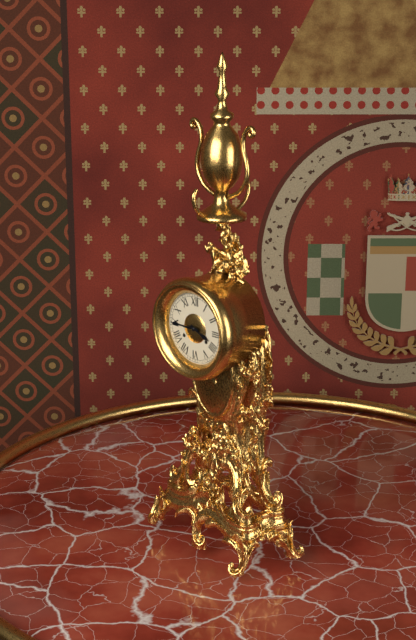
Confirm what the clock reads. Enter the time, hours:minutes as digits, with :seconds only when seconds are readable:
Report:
3:45
